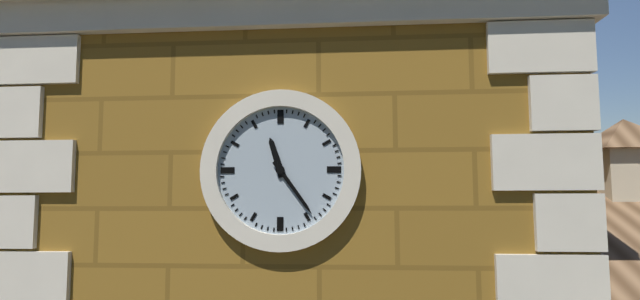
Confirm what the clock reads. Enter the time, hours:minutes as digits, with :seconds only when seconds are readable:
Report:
11:24
